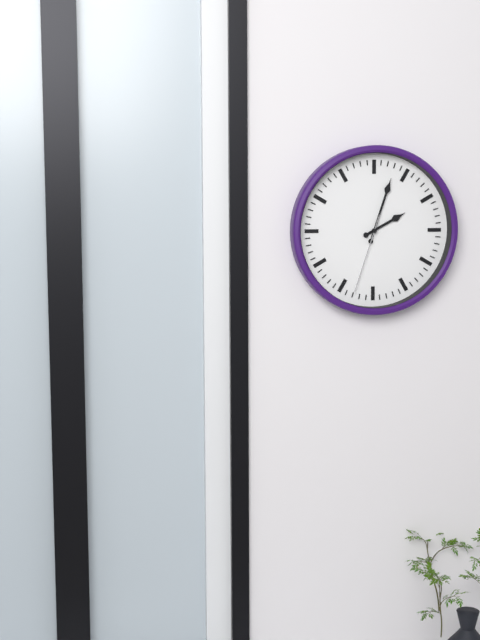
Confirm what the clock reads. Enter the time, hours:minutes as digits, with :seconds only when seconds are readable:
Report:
2:03:33
